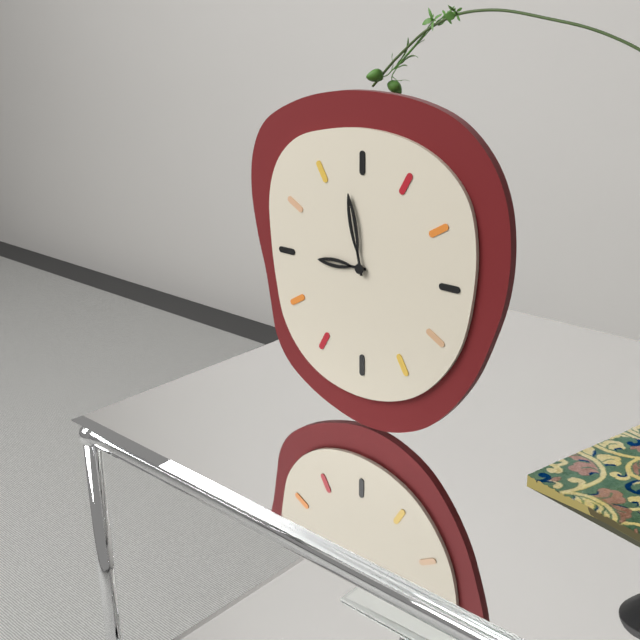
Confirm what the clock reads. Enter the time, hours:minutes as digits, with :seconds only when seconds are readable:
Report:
8:58
